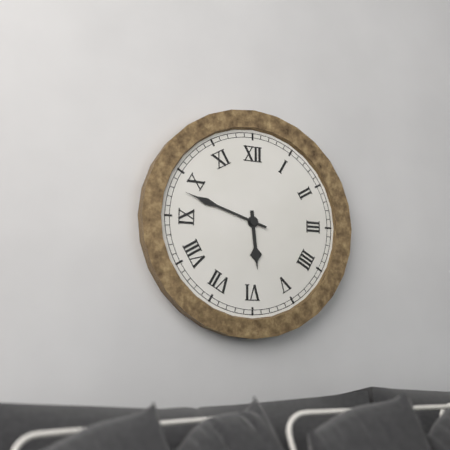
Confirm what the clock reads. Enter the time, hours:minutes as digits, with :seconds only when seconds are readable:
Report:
5:48
